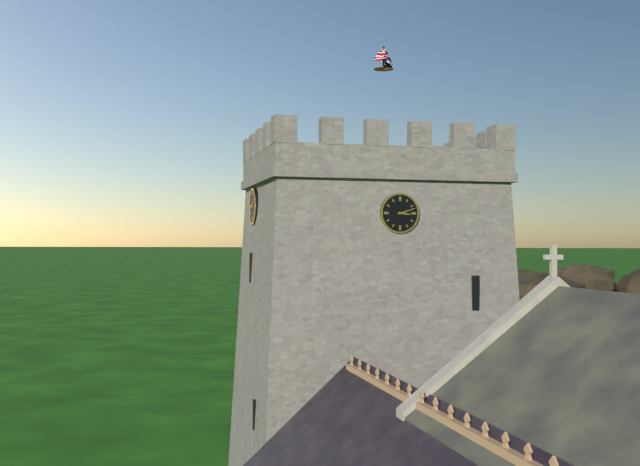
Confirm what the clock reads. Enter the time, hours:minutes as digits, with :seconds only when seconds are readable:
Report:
3:12
